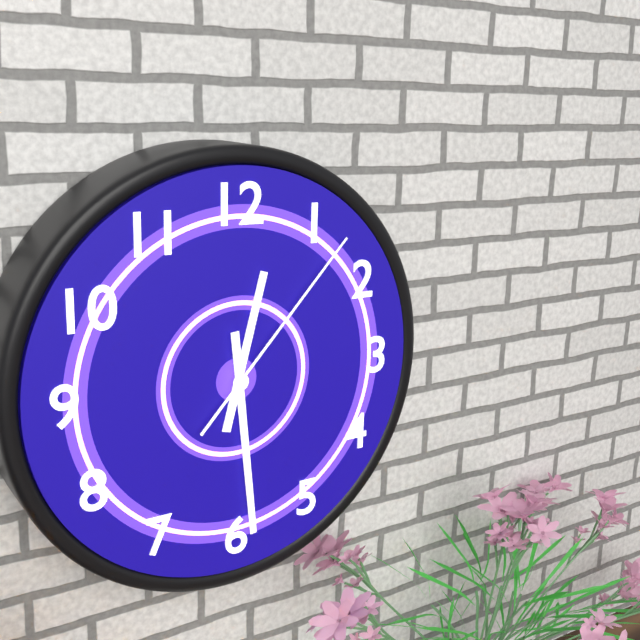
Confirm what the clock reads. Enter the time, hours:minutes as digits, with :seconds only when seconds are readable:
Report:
12:29:07
